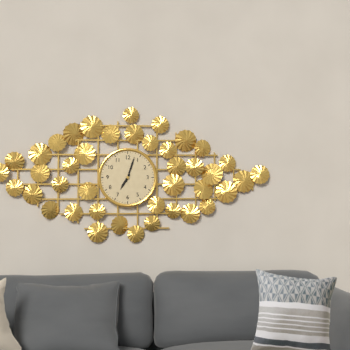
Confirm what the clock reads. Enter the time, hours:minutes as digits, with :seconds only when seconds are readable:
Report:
7:03
